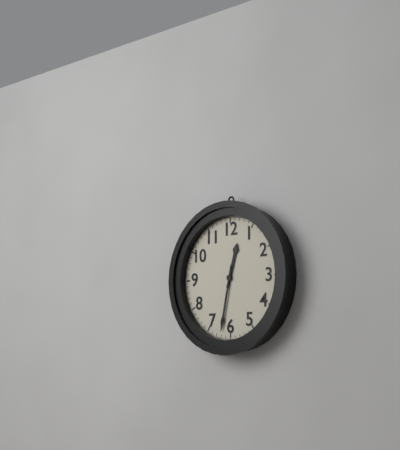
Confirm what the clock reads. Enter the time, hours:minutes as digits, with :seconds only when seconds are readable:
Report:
12:32
